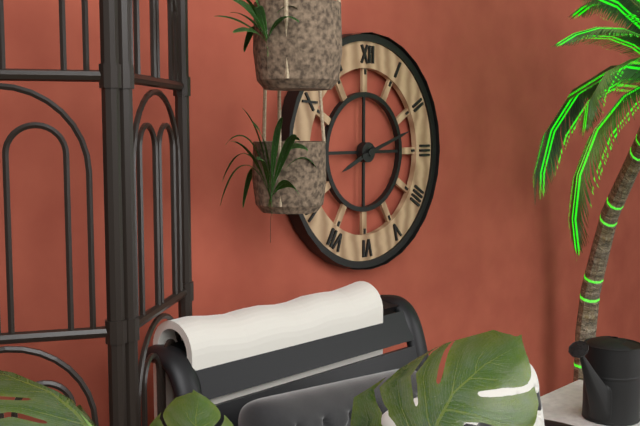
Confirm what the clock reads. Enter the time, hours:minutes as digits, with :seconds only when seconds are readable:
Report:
8:12
